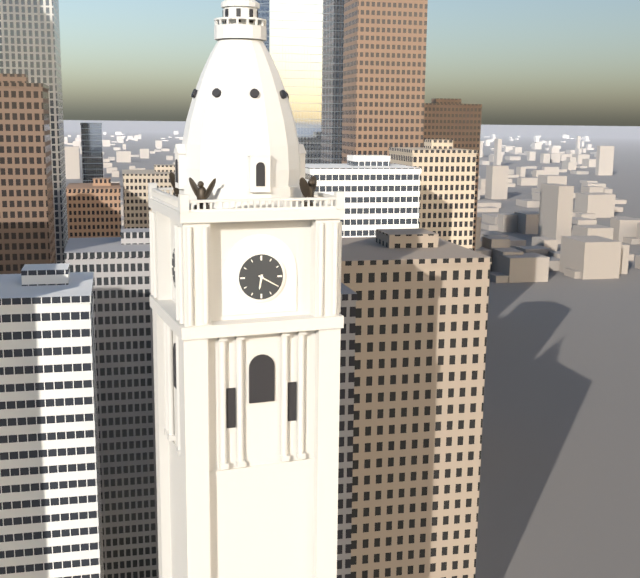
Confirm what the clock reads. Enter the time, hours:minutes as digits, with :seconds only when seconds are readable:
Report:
6:20
